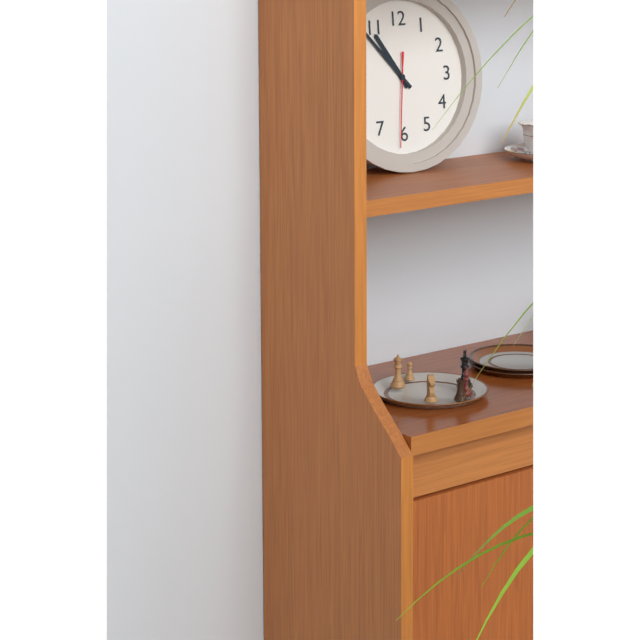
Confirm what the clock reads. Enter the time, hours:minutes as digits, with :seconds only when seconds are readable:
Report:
10:53:31
